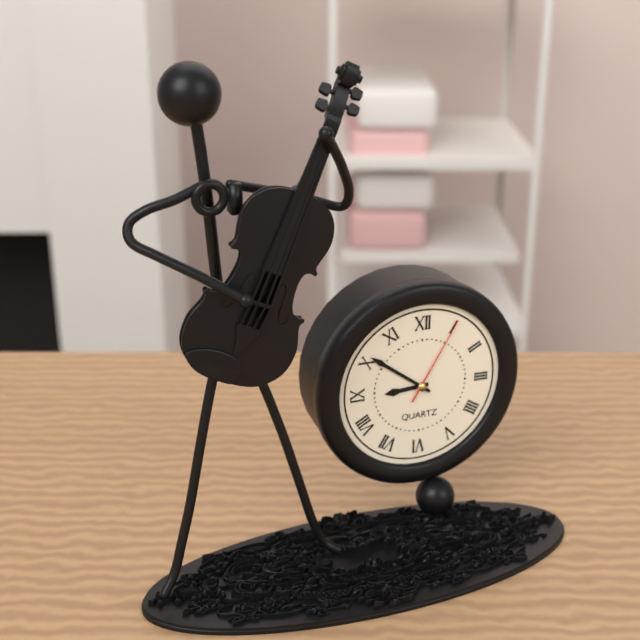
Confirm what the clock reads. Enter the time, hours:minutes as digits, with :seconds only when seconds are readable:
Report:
8:51:05
